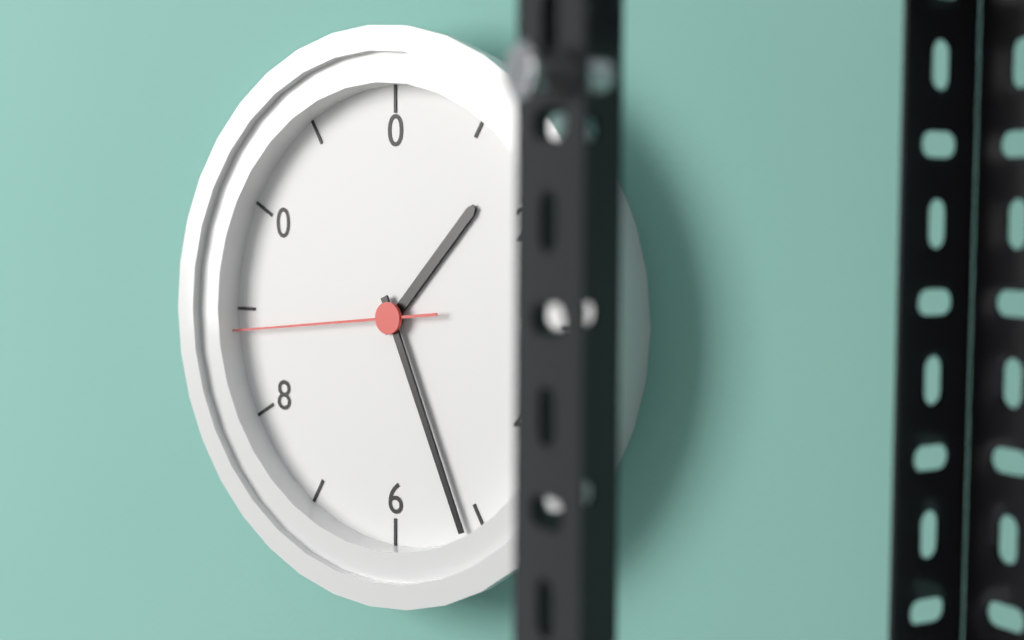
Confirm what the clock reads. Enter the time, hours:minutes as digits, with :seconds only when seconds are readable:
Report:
1:26:44
